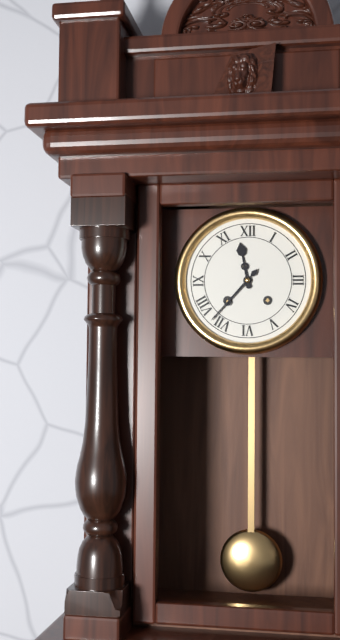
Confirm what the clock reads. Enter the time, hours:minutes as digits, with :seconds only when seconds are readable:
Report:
11:37
